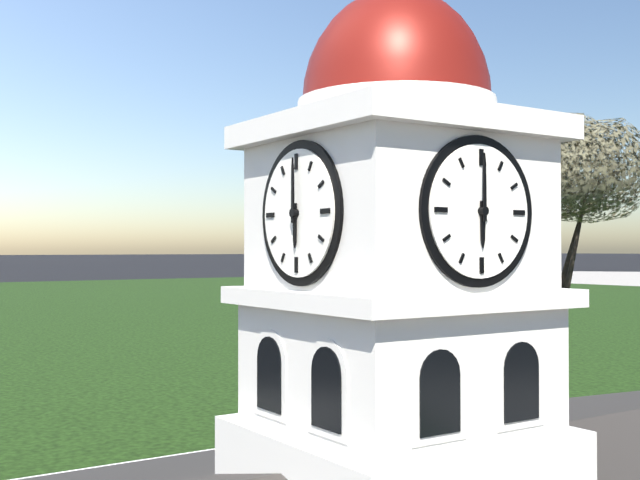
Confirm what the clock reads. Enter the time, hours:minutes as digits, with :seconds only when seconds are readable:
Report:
6:00
